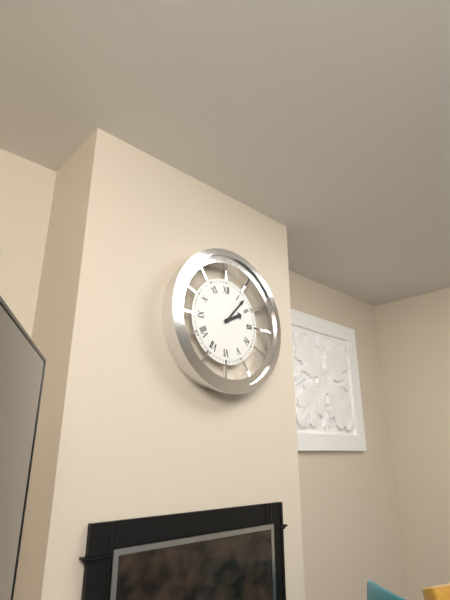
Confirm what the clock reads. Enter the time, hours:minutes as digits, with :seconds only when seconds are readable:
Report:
2:07
